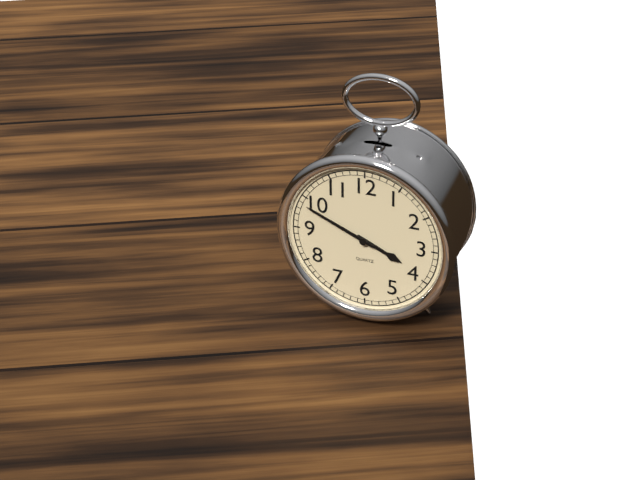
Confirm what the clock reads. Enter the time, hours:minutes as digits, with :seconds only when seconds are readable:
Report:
3:49
